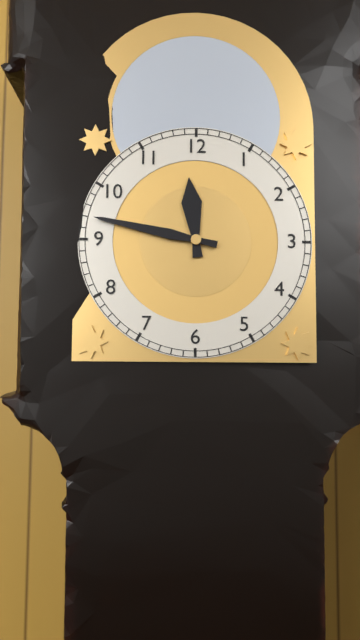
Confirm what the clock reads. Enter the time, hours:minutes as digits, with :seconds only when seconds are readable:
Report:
11:47
